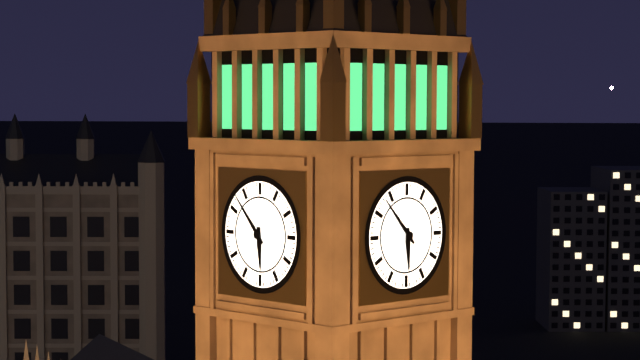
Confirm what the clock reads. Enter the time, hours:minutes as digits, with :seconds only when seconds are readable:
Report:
5:53
